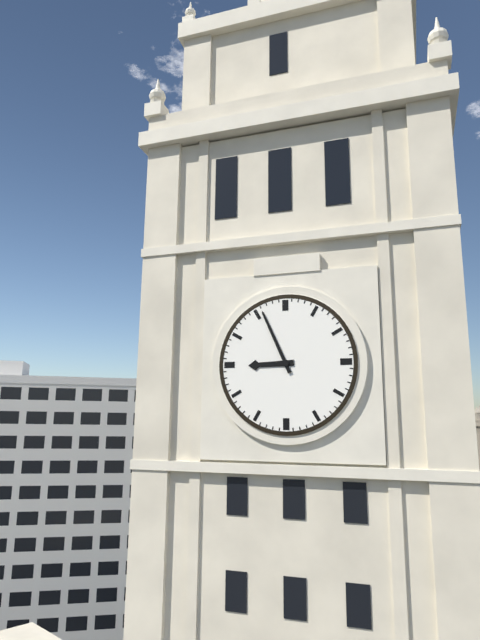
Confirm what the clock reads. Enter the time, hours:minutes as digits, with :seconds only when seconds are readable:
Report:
8:56
